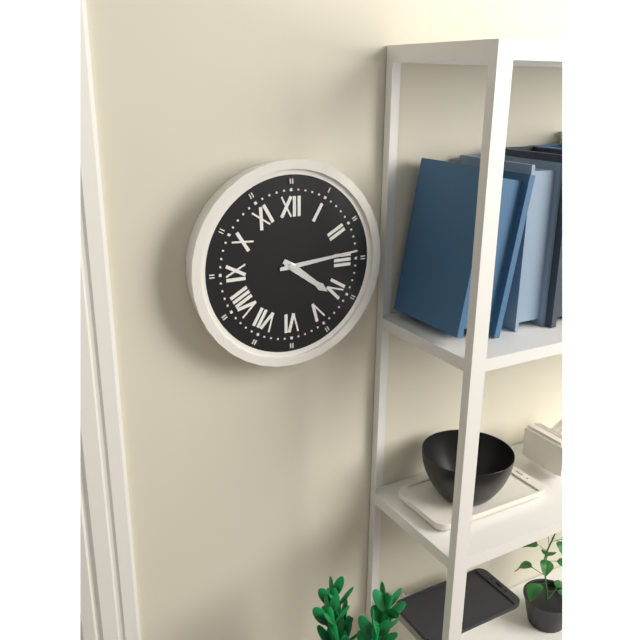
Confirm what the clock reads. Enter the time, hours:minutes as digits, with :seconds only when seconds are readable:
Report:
4:14
